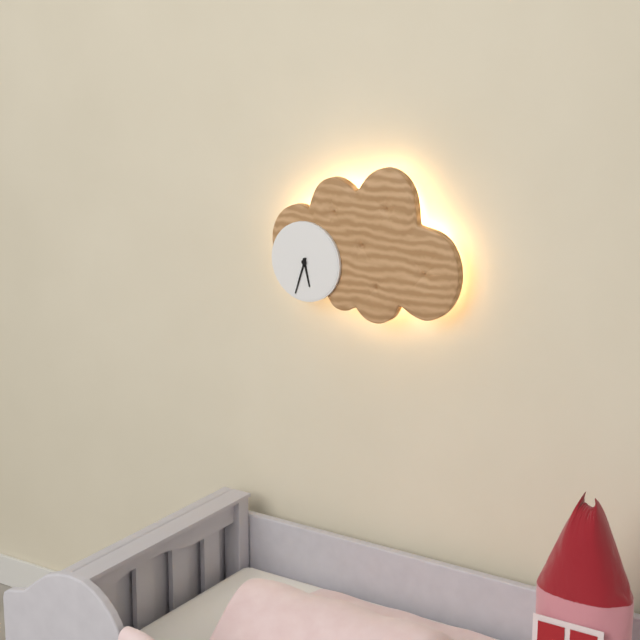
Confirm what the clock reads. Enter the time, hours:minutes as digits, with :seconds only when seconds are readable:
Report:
5:33
